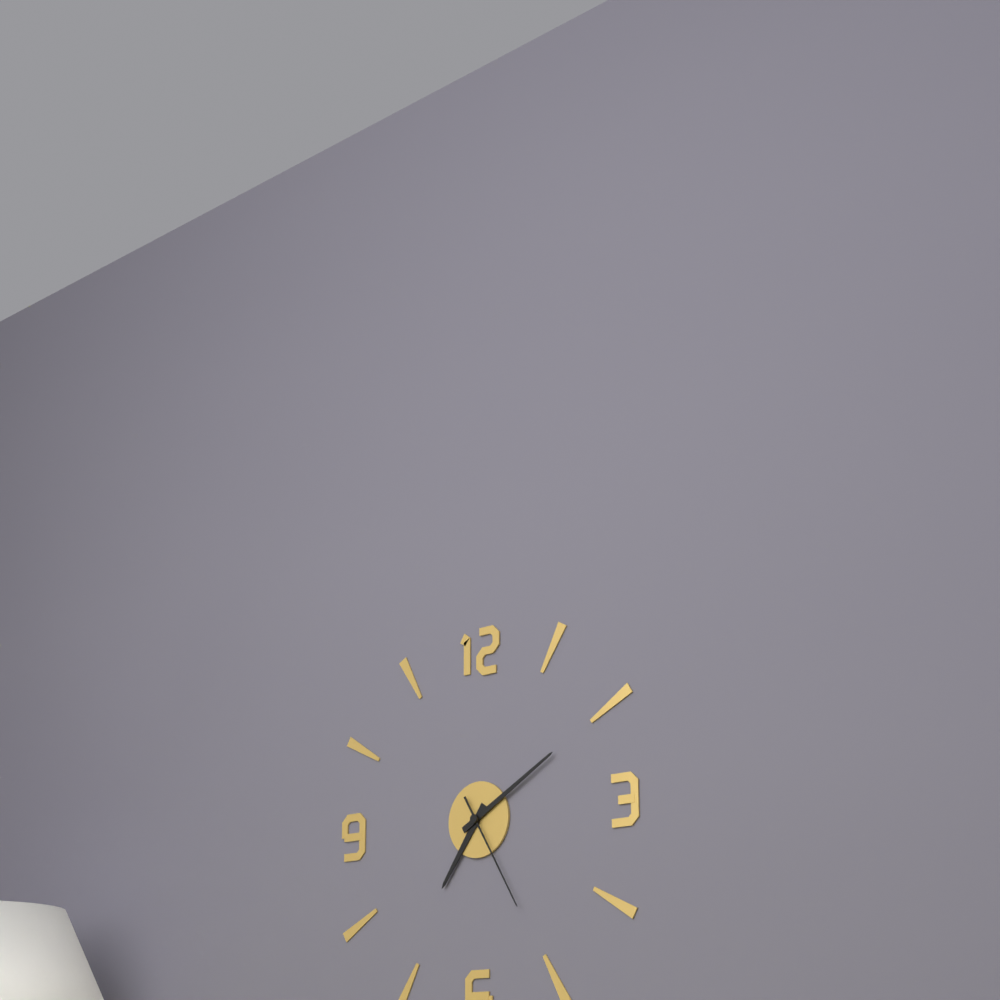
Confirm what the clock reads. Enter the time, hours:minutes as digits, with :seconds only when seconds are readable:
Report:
7:10:25
